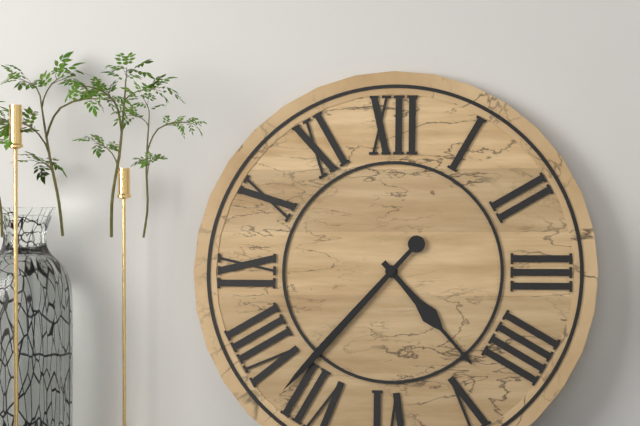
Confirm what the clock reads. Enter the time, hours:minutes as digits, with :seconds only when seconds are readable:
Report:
4:37
